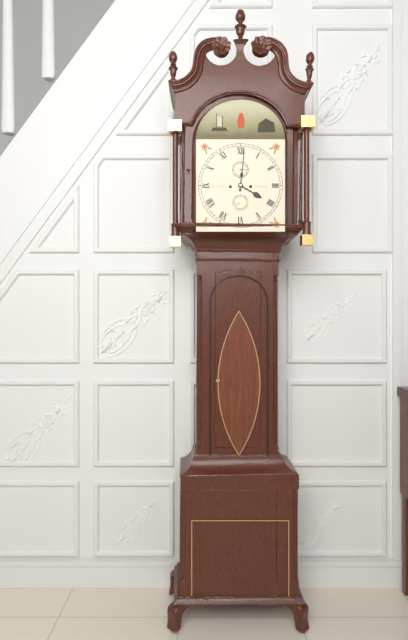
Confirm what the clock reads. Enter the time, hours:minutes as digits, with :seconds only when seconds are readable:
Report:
4:01
